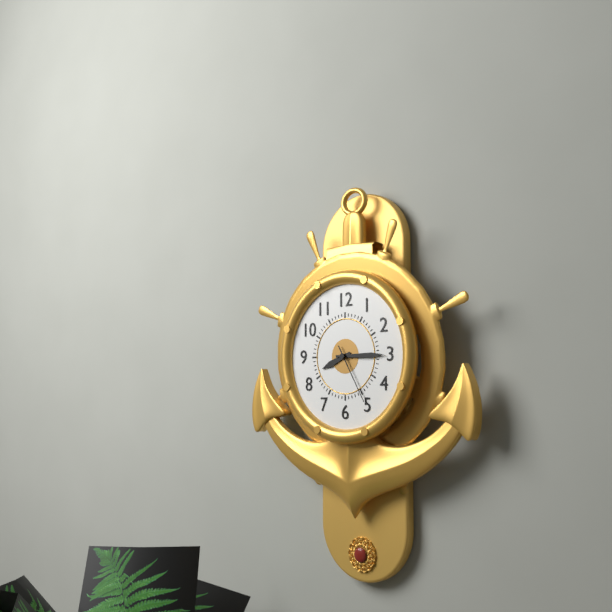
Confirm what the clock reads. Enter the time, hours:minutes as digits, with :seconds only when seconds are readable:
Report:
8:15:25
